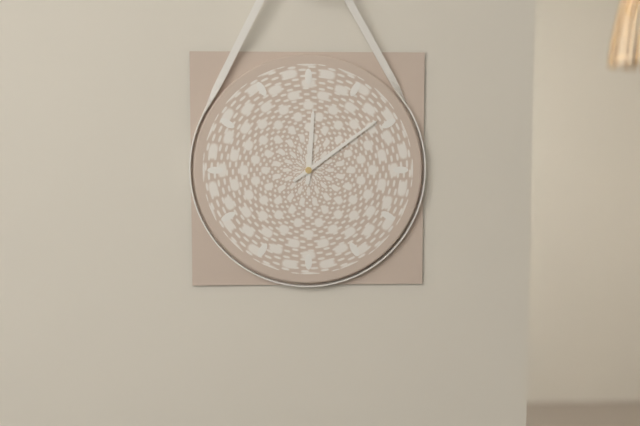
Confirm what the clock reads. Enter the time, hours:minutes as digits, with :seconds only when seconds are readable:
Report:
12:09
